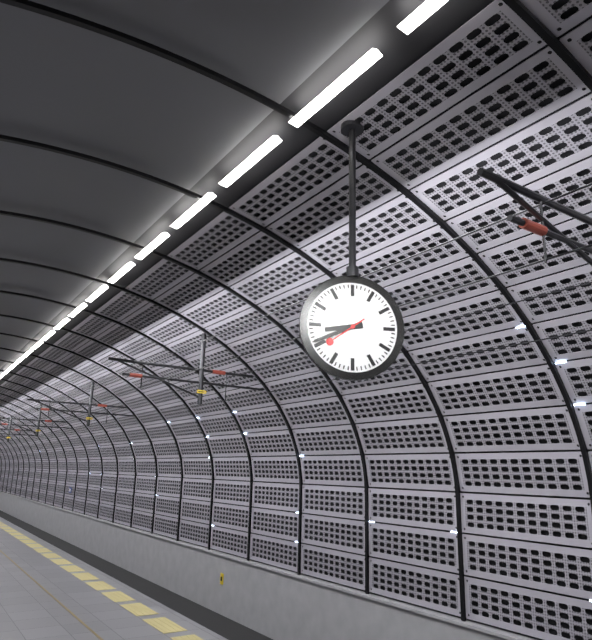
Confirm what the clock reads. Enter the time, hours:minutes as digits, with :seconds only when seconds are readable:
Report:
8:41
